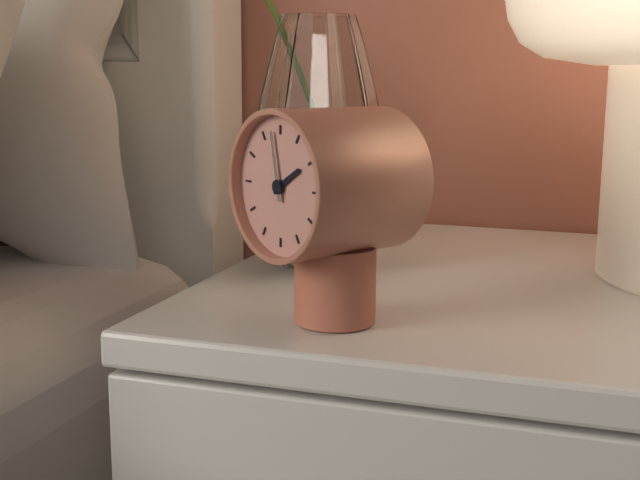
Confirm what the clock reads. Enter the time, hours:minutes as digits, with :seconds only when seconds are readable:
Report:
1:58
